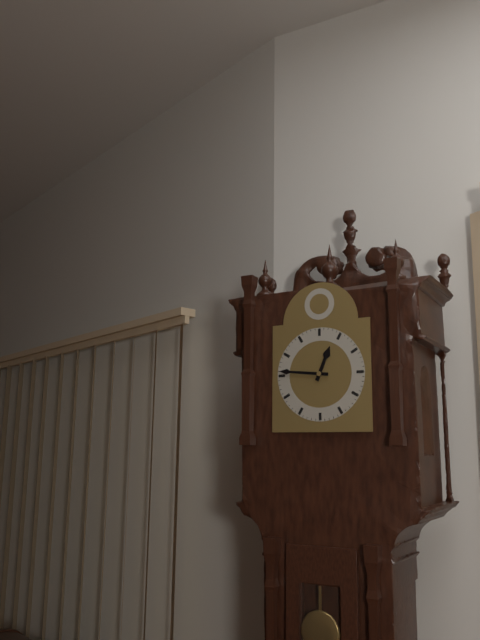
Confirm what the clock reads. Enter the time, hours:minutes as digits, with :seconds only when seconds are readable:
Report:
12:46
